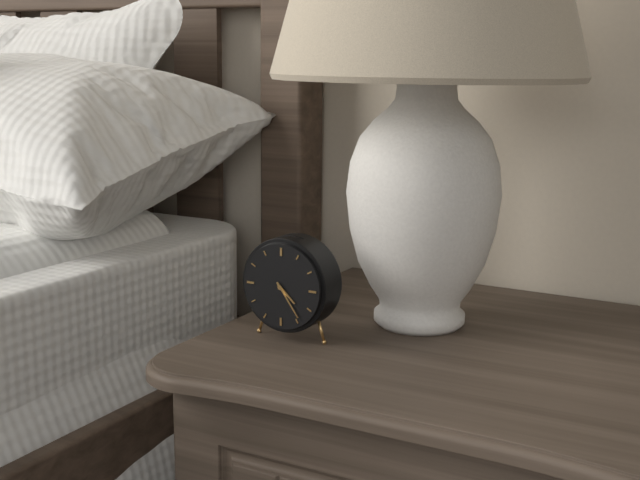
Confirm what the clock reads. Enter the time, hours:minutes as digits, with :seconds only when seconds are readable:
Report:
4:24
